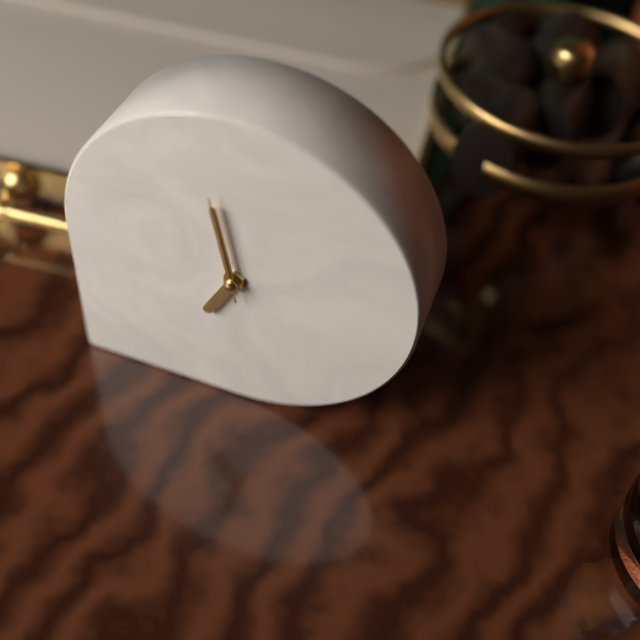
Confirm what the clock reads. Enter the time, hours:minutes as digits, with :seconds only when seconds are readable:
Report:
6:58:58
